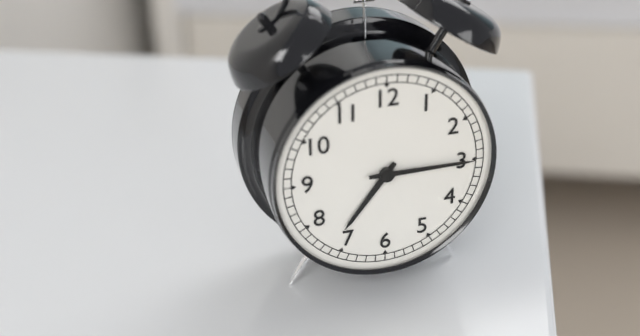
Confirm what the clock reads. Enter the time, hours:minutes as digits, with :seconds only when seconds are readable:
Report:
7:15
